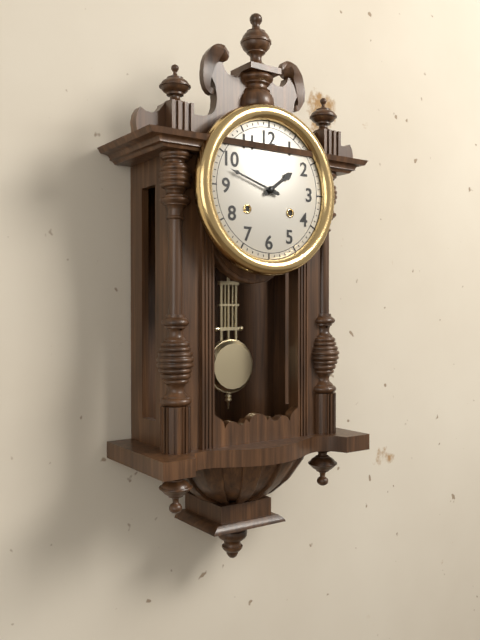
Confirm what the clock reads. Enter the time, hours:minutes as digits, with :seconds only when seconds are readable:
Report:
1:48
